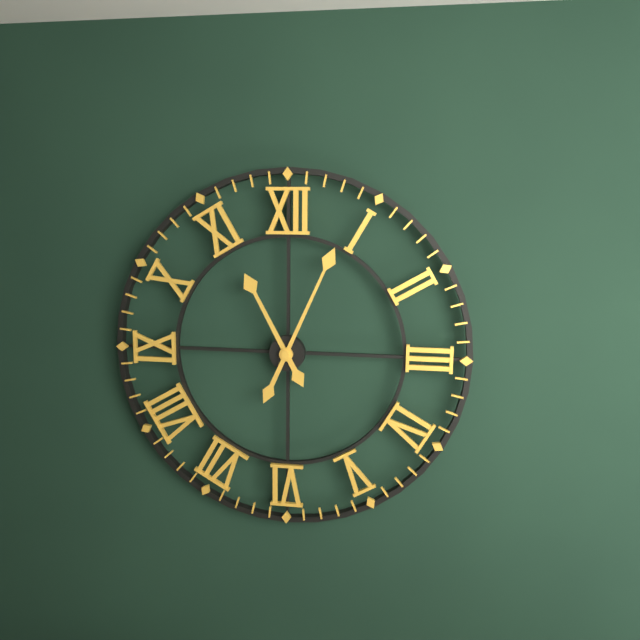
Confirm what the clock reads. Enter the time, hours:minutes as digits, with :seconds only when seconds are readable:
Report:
11:04
